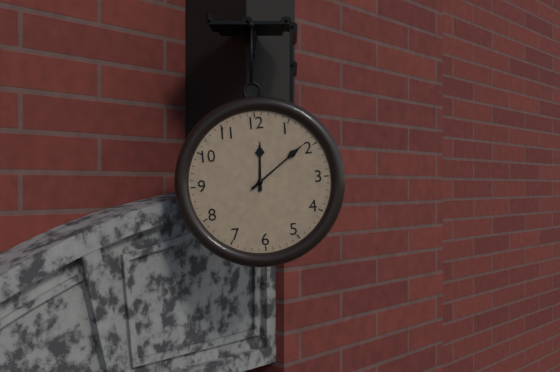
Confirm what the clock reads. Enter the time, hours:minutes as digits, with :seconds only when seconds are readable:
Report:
12:09
